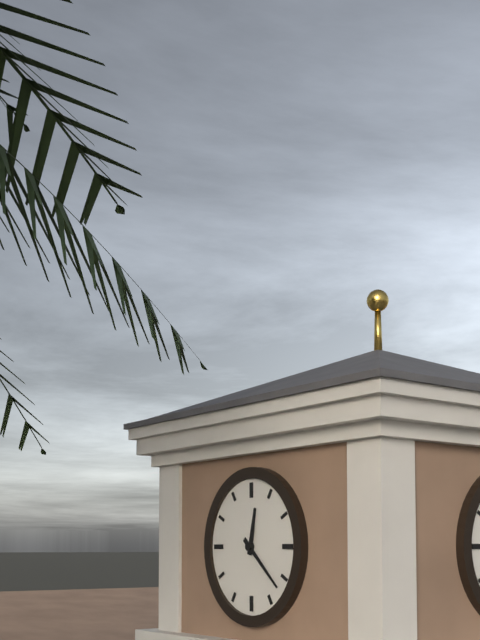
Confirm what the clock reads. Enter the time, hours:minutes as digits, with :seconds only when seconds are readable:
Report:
12:22
